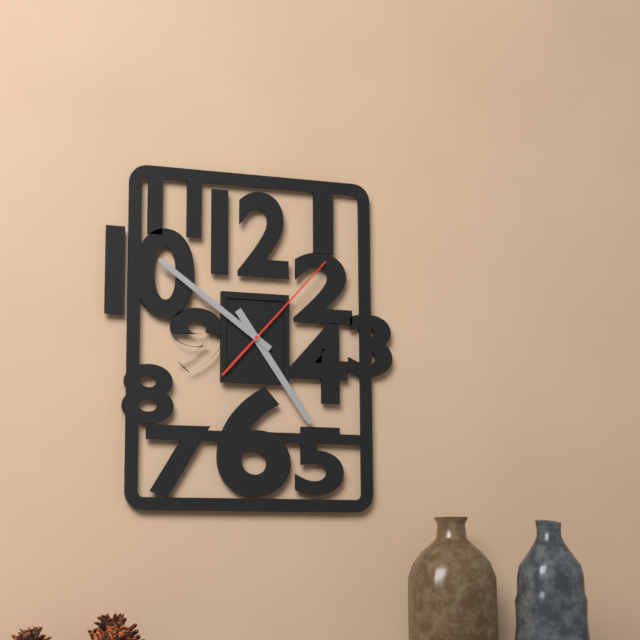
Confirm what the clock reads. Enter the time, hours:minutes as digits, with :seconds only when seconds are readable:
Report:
4:51:07
